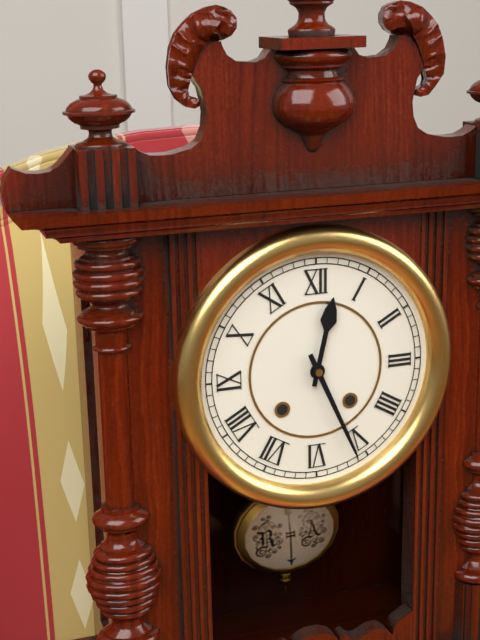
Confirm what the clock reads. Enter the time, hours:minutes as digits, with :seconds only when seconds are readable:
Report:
12:26
